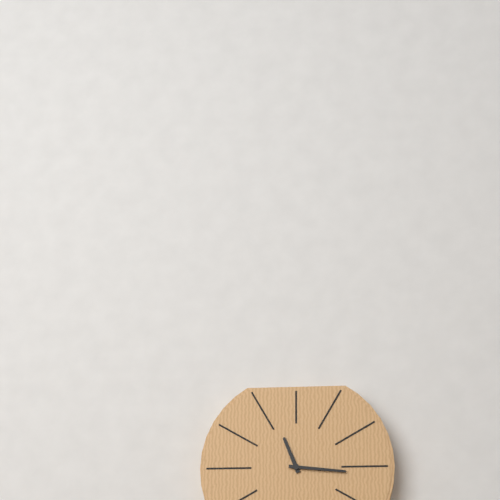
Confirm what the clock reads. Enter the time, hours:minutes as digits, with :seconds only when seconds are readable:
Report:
11:16
